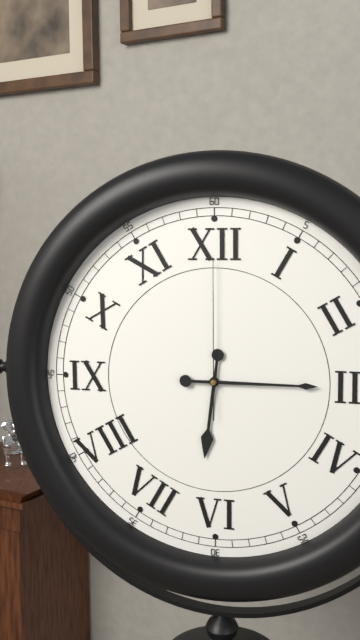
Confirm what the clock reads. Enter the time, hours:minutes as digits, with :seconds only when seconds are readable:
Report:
6:15:00
